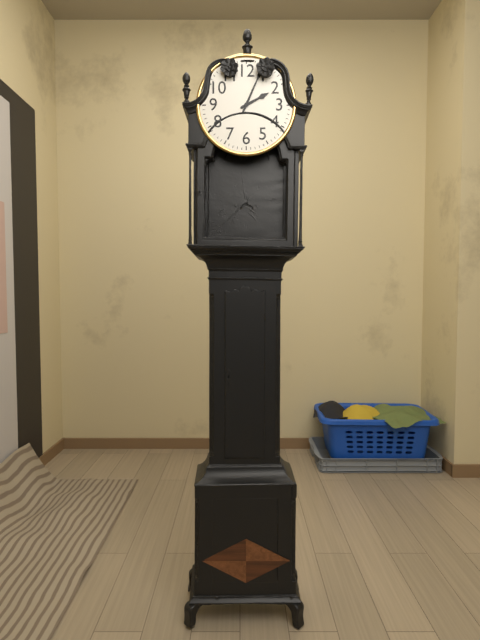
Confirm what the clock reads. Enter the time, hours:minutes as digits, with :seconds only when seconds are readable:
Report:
2:04
